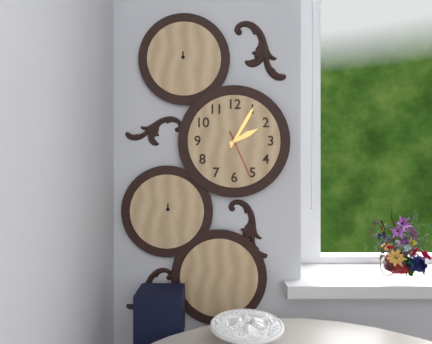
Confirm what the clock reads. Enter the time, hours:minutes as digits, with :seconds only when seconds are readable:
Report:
2:05
